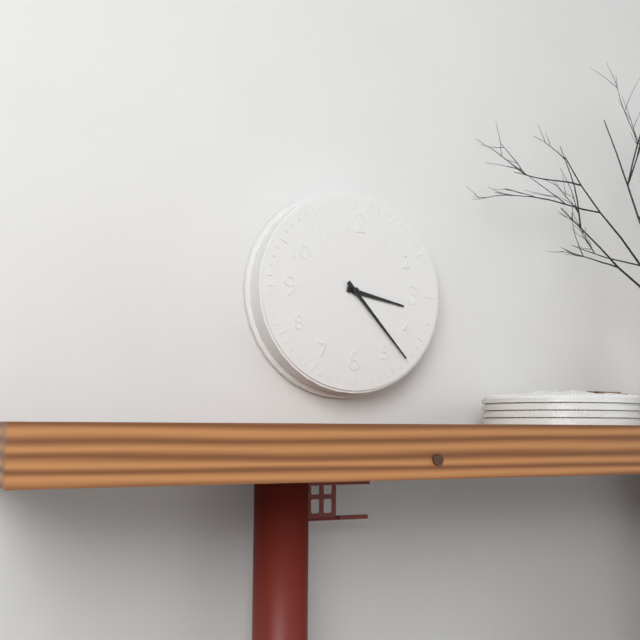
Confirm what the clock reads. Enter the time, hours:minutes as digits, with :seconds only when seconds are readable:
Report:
3:23
